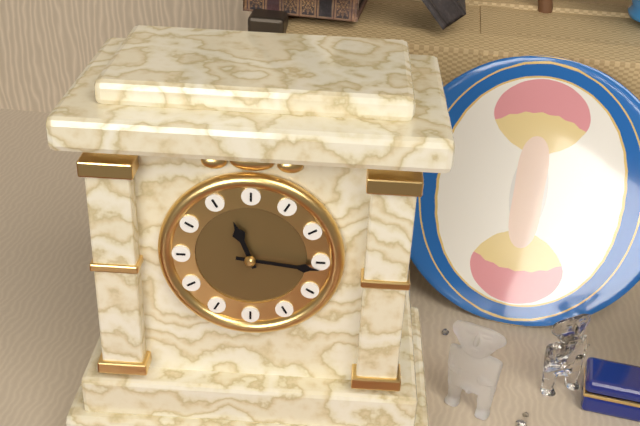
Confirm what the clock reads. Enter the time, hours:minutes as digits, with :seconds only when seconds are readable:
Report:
11:16
